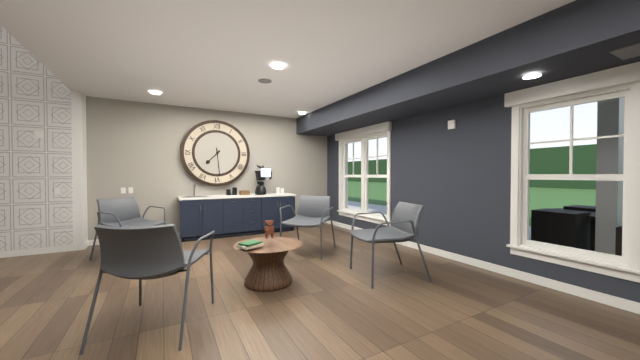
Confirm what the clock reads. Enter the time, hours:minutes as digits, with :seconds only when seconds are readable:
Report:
7:29
